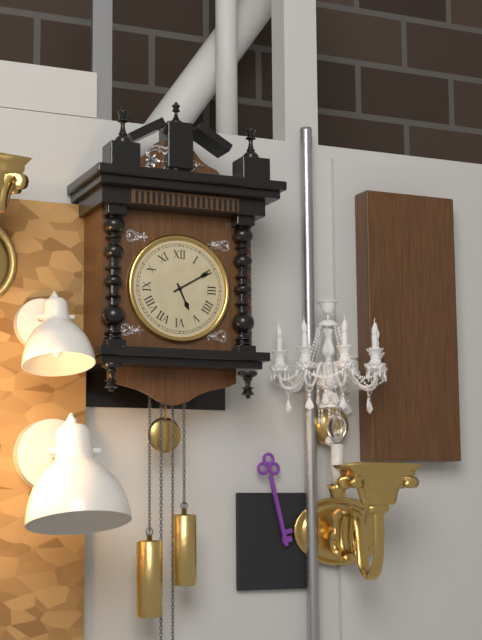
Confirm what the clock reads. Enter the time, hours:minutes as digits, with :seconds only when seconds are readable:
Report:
5:10
